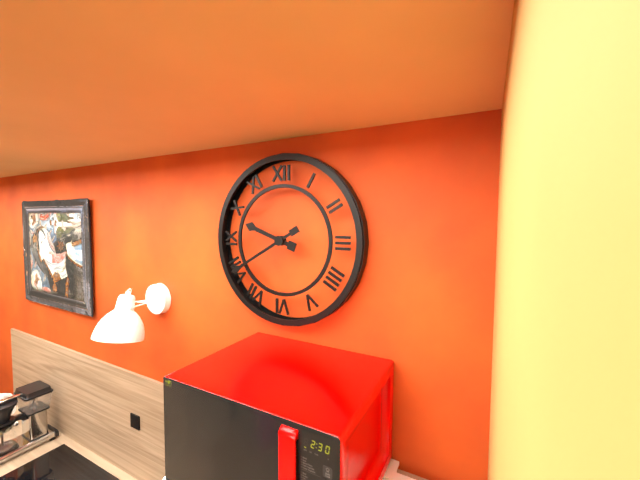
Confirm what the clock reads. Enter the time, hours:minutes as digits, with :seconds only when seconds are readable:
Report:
9:40
